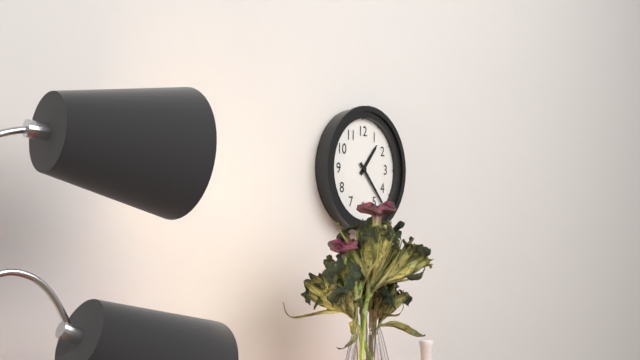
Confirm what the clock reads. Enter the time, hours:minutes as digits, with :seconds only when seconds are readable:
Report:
1:23
